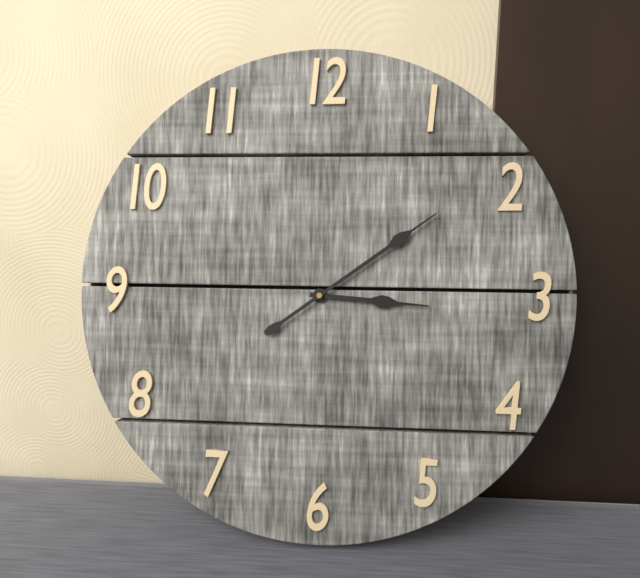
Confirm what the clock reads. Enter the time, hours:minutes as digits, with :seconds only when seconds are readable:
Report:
3:09
